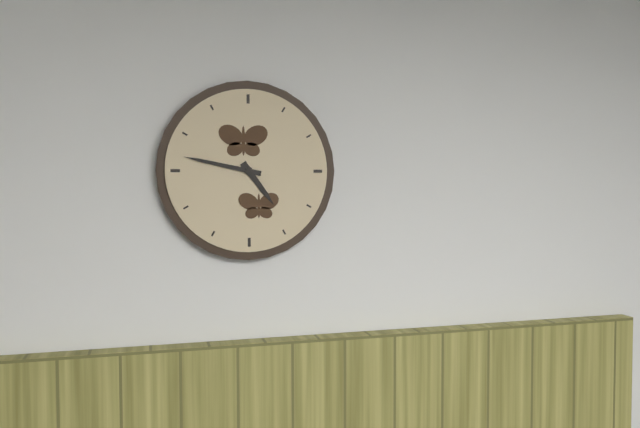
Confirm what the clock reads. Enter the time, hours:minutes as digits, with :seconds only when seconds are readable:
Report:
4:47
